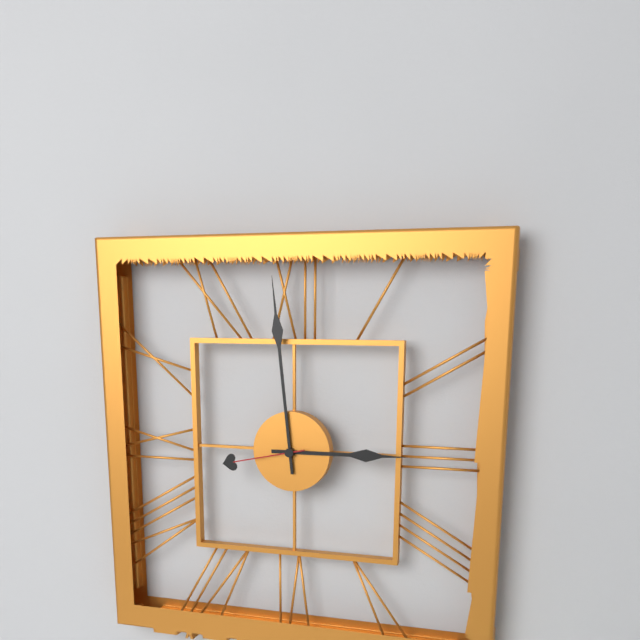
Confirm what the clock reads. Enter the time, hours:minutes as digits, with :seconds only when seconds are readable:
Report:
2:59:43
